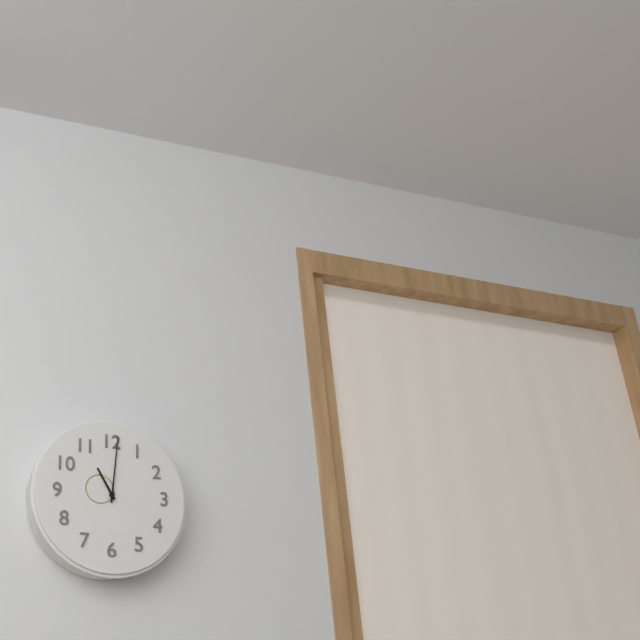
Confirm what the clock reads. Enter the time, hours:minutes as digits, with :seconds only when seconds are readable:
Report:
11:01
